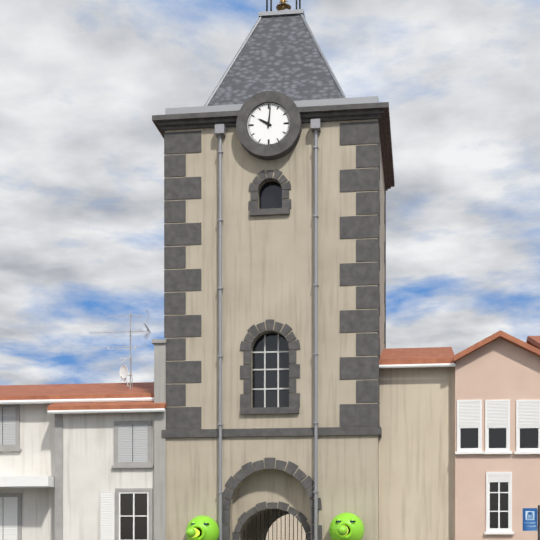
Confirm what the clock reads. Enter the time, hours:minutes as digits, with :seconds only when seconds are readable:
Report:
10:01
